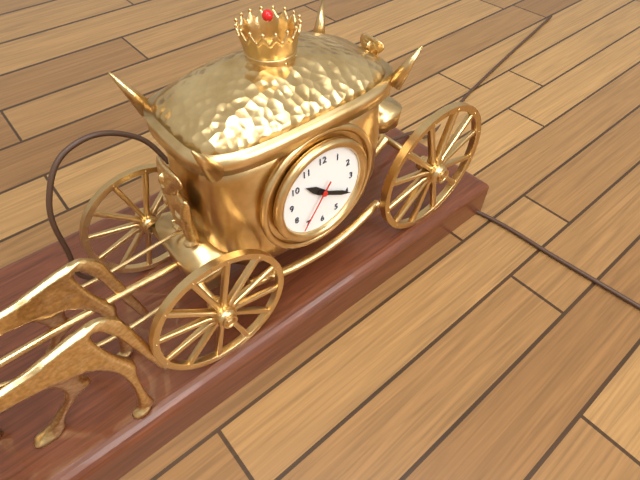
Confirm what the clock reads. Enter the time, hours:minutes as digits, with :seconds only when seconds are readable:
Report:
10:20:36
